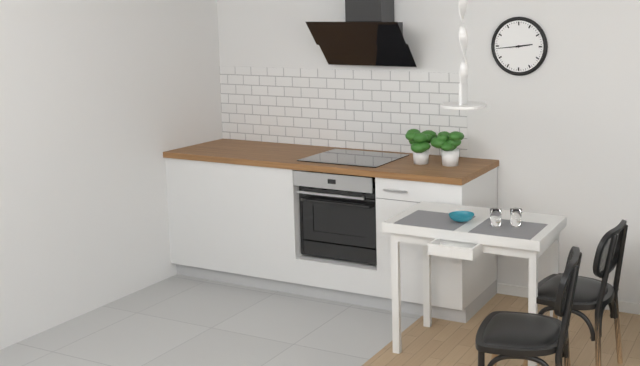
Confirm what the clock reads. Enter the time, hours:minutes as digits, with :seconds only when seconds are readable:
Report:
2:44
